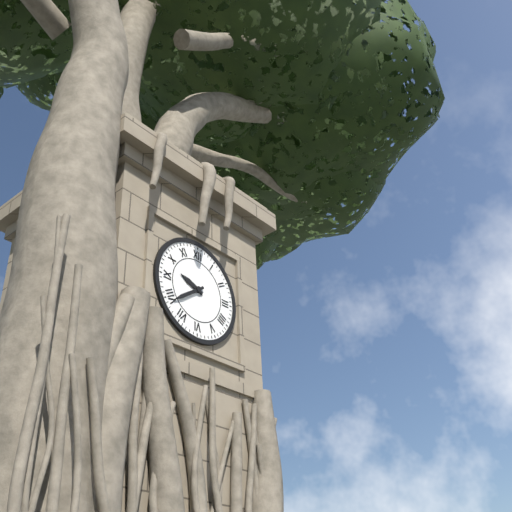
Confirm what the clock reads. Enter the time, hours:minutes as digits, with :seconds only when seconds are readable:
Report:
9:39
